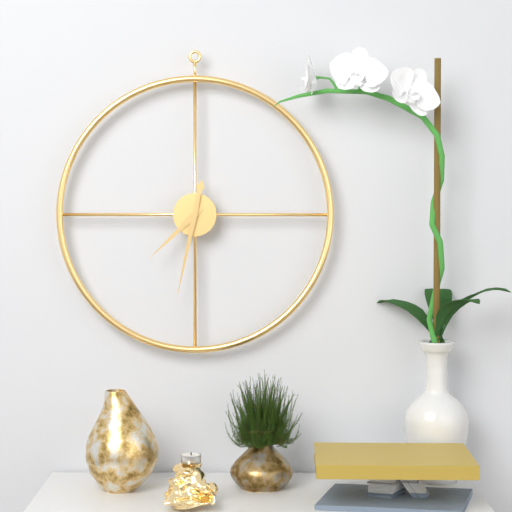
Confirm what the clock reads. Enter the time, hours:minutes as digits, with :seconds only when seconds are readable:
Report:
7:32
